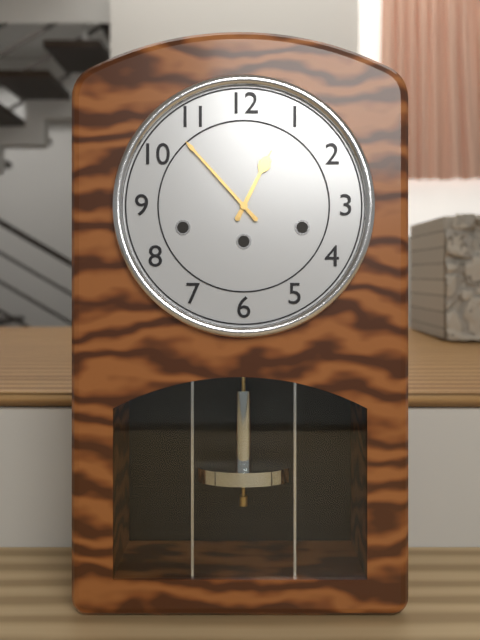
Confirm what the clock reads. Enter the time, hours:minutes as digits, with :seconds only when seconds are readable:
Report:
12:53
